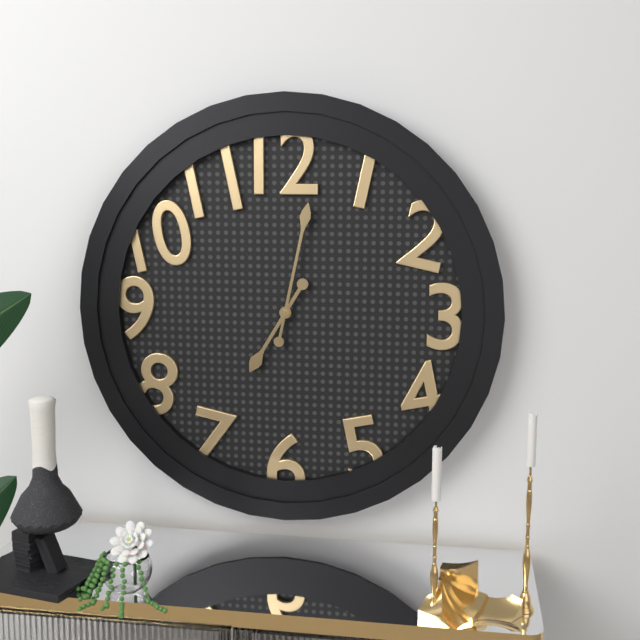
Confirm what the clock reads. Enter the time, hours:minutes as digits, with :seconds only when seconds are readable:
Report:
7:02
